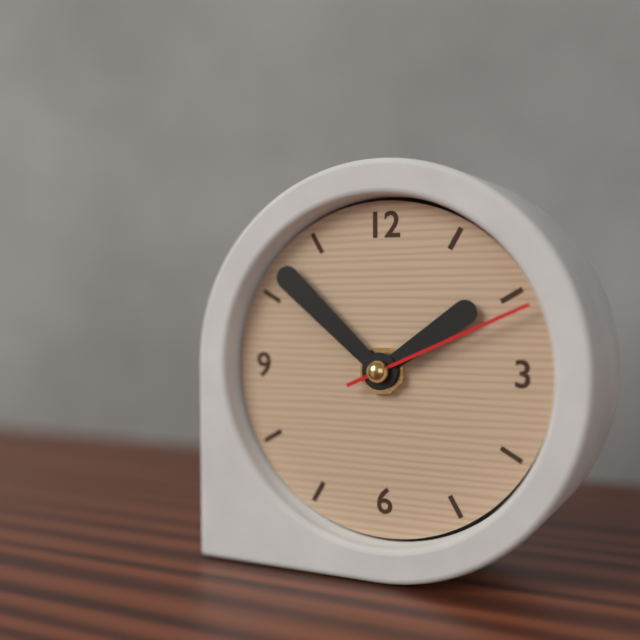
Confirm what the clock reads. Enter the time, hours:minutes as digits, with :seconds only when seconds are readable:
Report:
1:52:11
